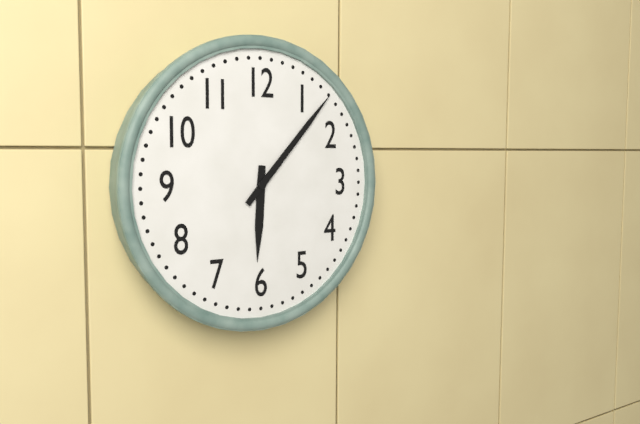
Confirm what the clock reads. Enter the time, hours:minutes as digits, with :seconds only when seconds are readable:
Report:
6:07
